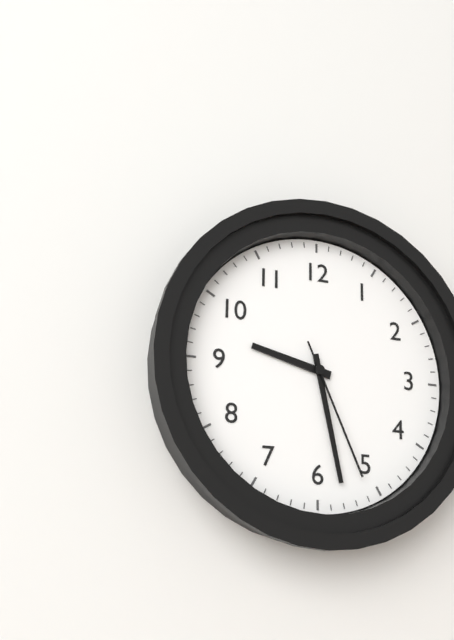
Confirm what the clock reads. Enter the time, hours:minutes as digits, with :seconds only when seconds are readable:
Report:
9:28:26
